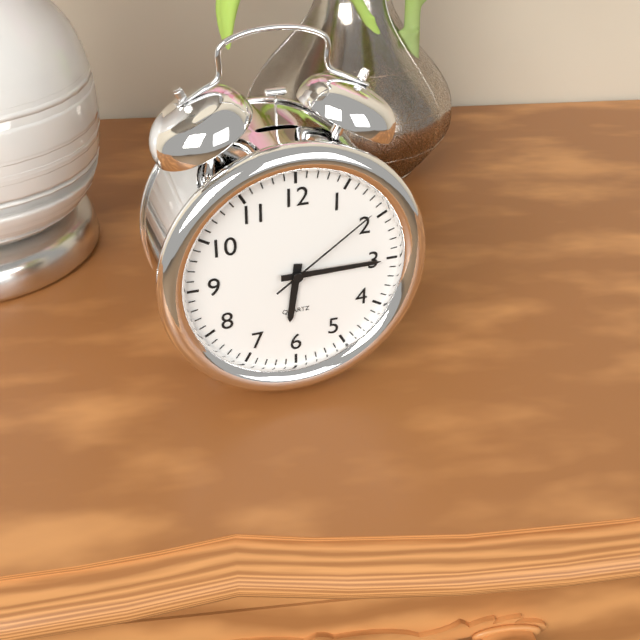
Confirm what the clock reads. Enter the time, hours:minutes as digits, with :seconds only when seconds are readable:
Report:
6:15:09
